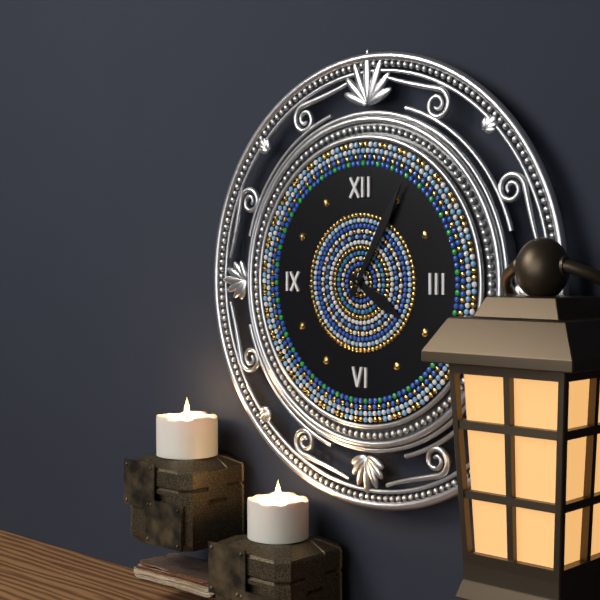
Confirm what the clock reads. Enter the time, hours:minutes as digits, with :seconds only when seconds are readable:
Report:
4:05
